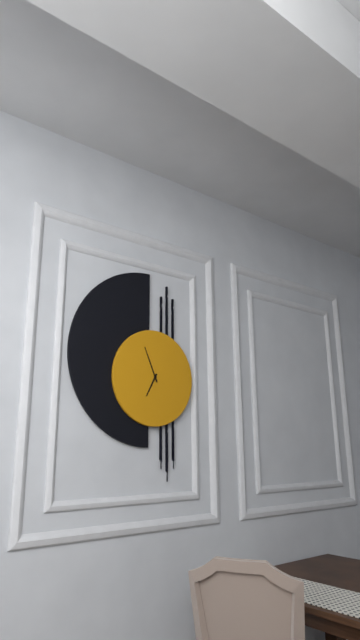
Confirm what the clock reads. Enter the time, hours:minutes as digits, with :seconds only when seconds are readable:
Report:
6:56
